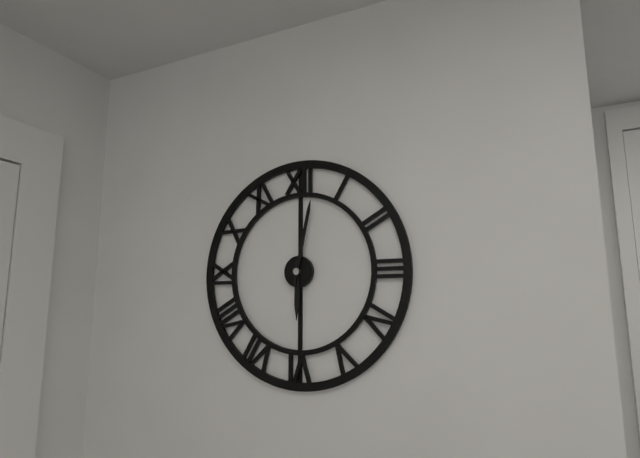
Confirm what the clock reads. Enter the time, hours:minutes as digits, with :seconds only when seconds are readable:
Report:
6:02
